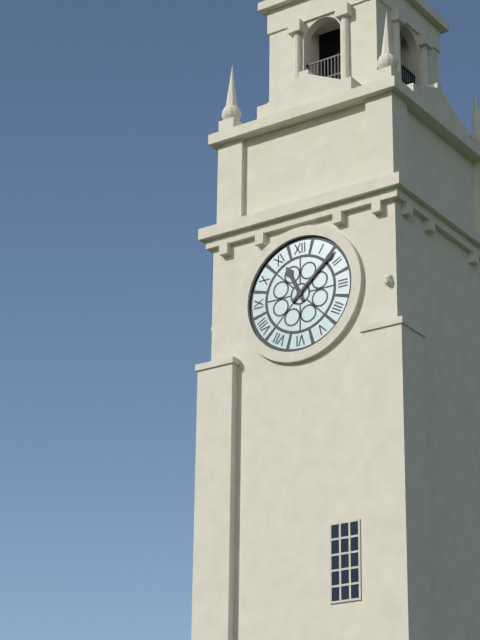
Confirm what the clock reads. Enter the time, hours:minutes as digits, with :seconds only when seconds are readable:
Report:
11:08
